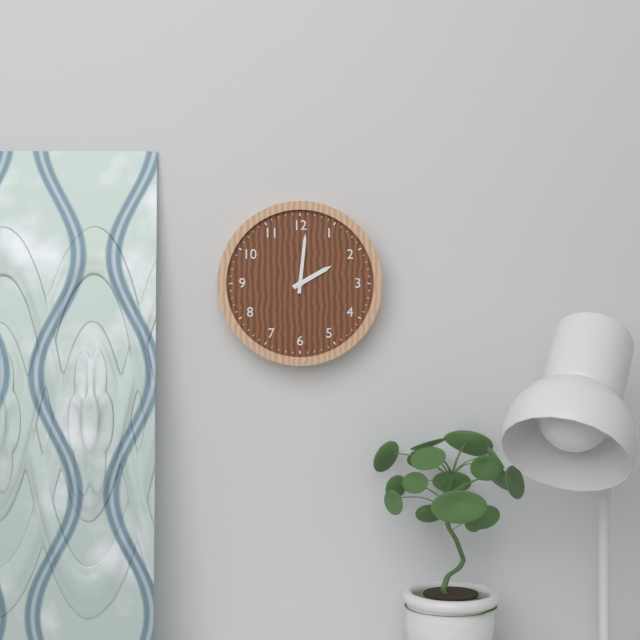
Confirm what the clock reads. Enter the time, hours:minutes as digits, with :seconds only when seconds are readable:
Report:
2:01
